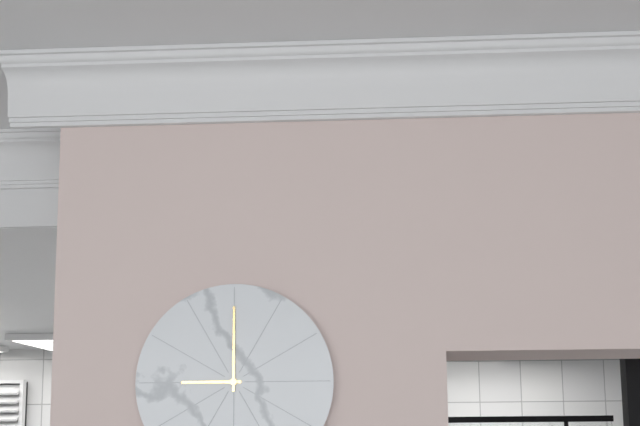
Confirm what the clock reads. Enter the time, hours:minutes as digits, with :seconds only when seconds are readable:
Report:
9:00
